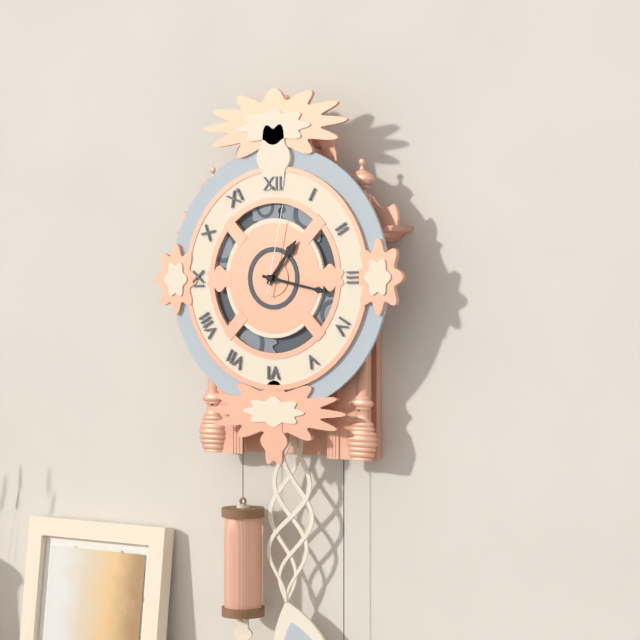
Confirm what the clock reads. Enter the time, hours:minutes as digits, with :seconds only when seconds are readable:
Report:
1:17:02
